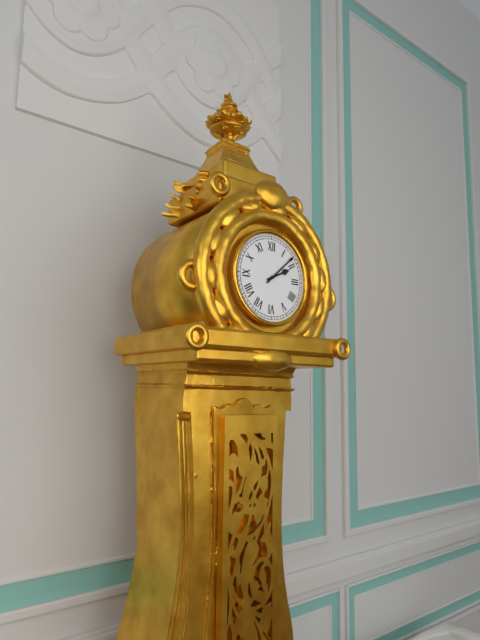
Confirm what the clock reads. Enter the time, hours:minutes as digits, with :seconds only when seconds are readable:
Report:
2:08
